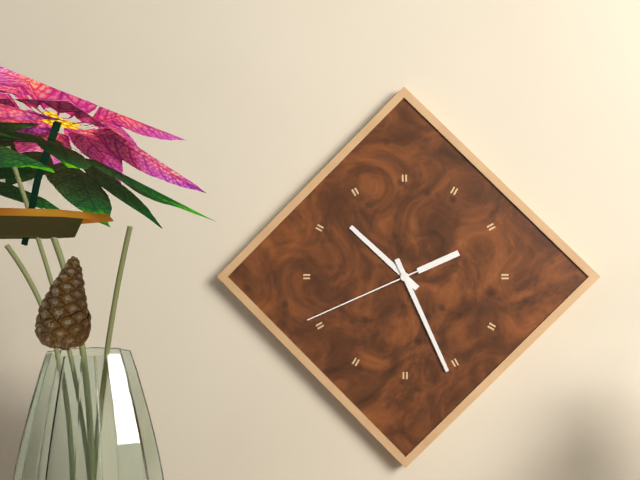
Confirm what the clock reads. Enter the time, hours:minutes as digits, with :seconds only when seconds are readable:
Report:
10:26:41
